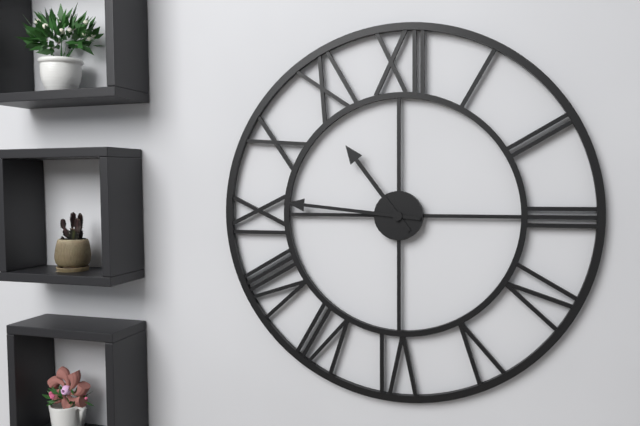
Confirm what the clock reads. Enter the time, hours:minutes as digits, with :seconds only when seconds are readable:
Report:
10:46
